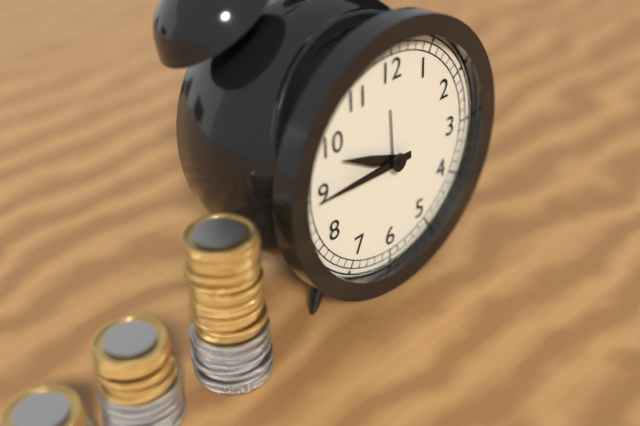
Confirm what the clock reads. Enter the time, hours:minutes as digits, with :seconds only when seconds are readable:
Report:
9:45
